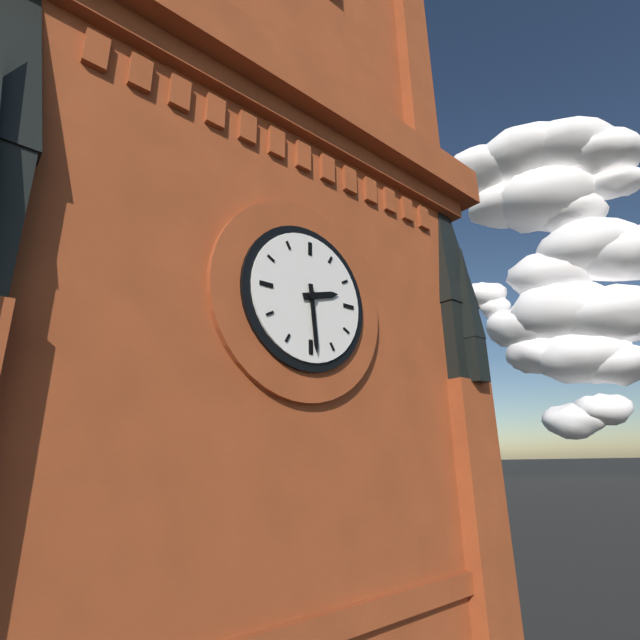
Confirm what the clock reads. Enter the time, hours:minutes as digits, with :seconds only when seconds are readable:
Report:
2:29
